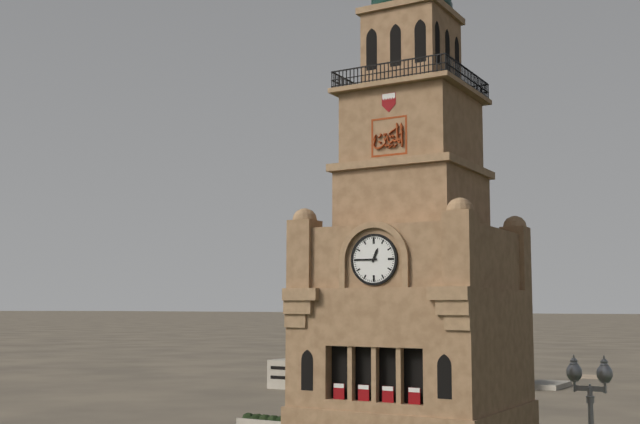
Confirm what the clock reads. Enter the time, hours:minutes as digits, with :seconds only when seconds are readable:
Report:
12:45
